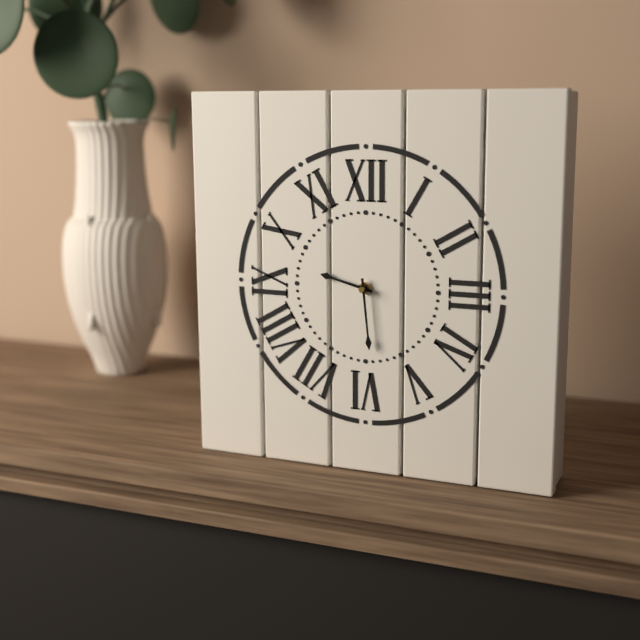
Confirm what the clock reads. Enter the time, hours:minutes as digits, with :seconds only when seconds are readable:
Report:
9:29
